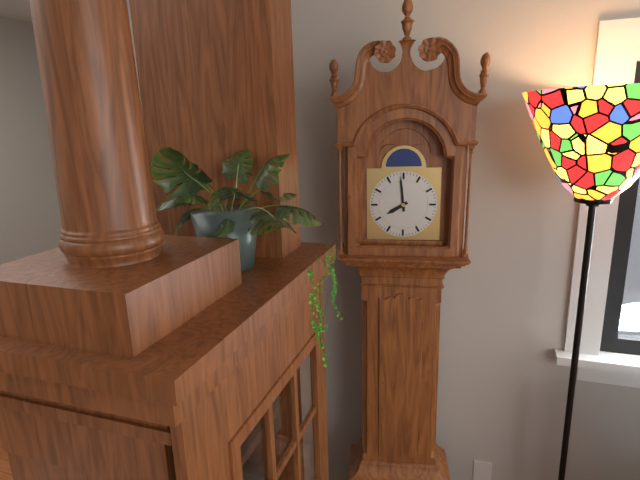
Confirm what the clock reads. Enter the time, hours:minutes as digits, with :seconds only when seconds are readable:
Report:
7:59
